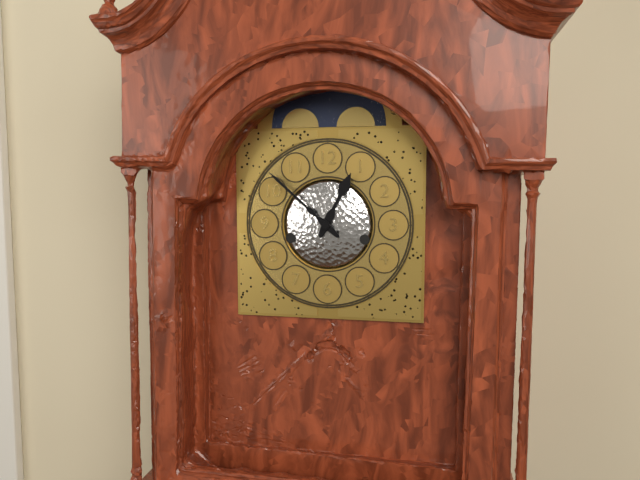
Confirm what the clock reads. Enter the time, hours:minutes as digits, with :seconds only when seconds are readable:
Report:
12:52
